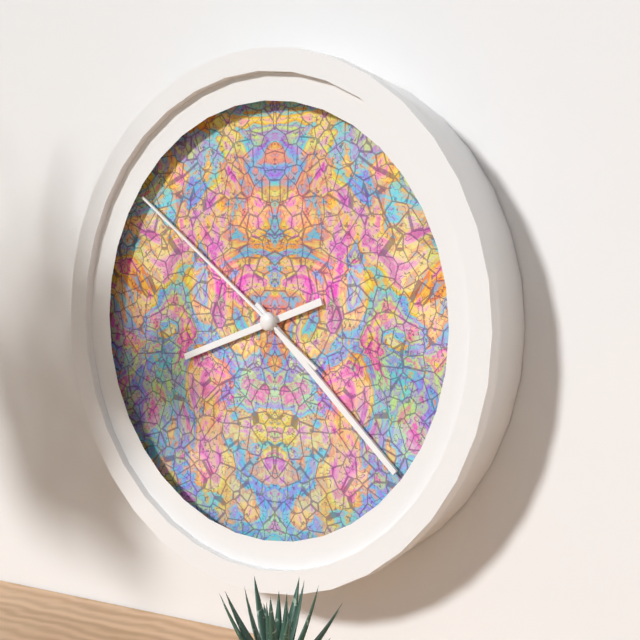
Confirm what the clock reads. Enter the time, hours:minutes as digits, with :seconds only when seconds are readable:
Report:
8:22:51
